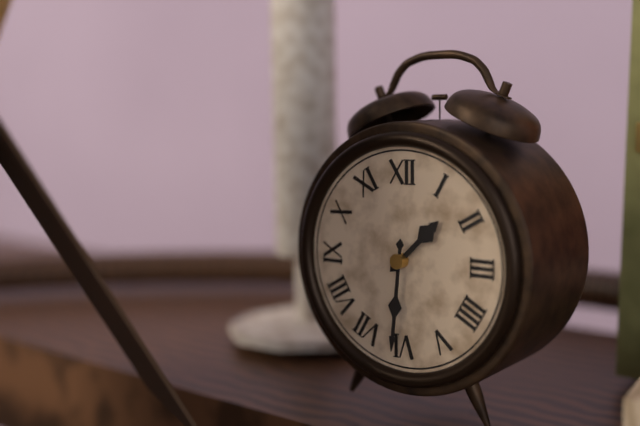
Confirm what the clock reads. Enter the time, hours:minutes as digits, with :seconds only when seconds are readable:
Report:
1:31
